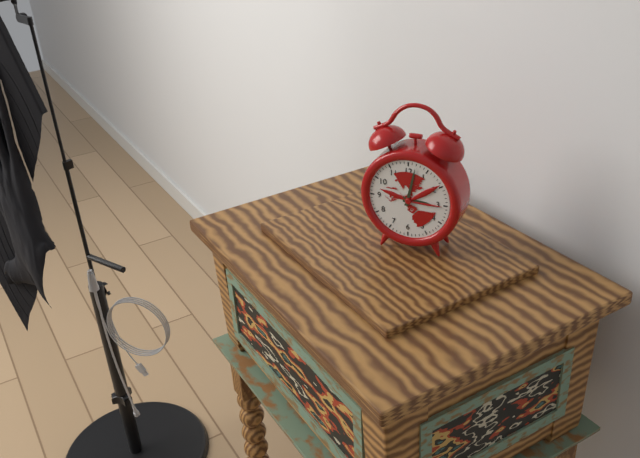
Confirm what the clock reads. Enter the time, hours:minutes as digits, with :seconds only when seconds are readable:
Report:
3:02
